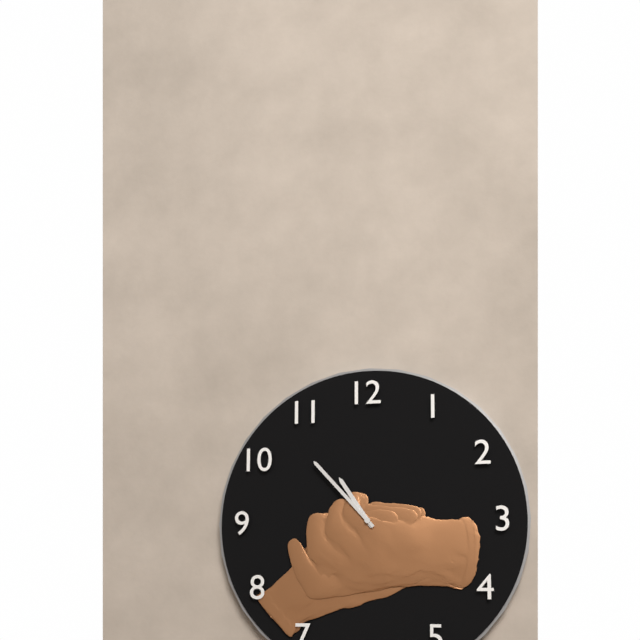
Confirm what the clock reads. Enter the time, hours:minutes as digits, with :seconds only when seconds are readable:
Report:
10:53
